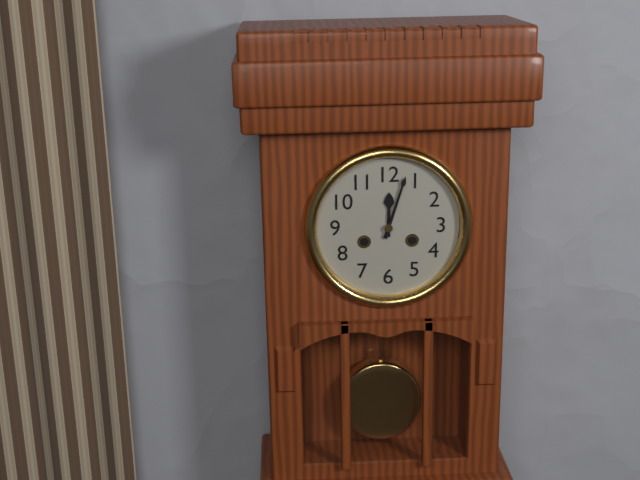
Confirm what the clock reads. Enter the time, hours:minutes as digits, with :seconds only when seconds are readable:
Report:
12:03
